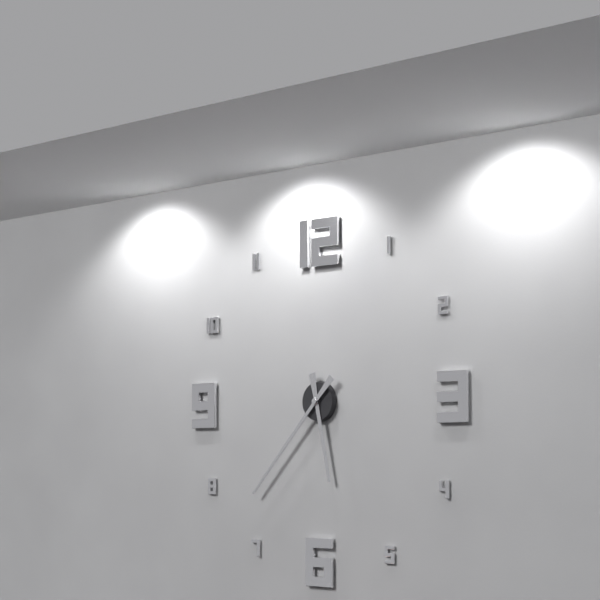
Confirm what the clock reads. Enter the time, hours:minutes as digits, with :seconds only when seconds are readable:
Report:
5:37
